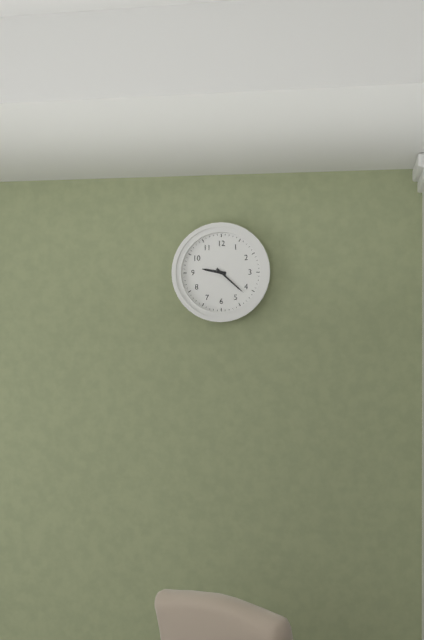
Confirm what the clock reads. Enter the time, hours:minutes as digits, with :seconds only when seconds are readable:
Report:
9:22
